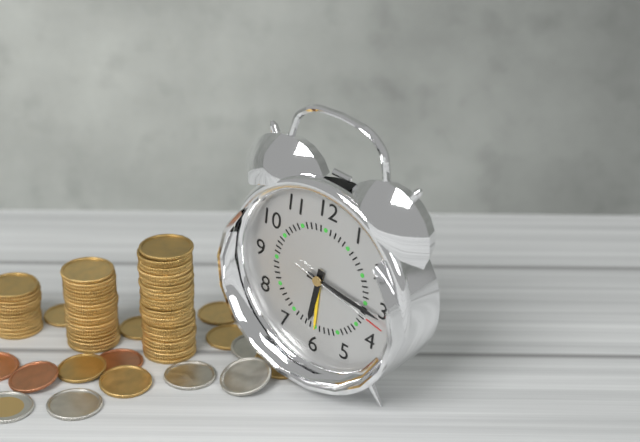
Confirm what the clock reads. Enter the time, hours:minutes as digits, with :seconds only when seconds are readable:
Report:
6:16:17
